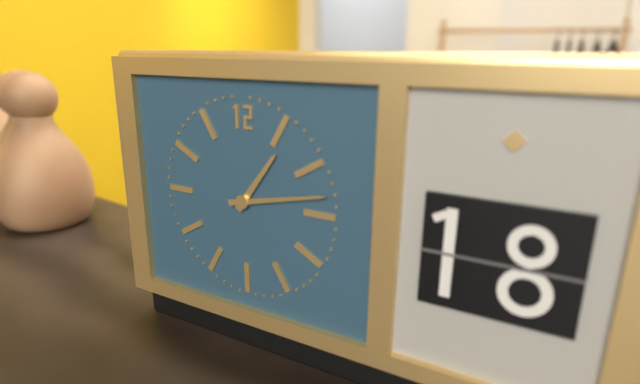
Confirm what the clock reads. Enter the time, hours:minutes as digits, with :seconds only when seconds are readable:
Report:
1:13
